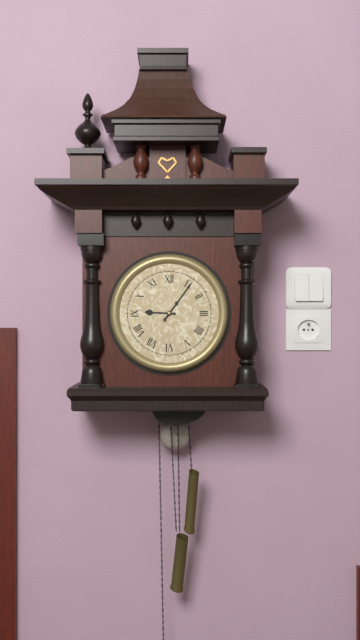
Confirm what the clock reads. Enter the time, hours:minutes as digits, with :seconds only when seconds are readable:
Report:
9:06
